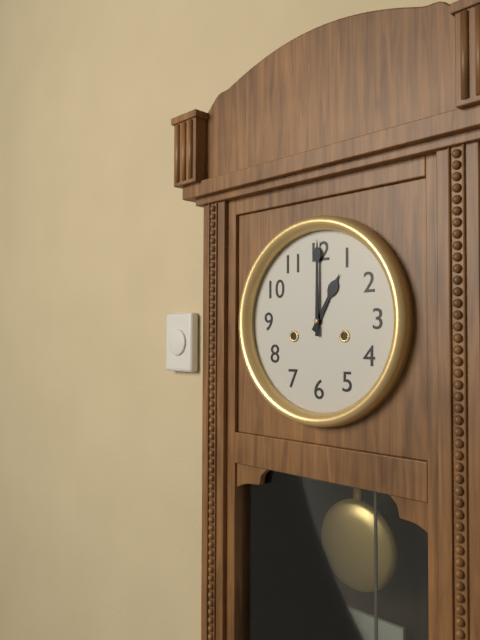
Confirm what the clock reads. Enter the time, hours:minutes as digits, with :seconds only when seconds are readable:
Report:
1:00
